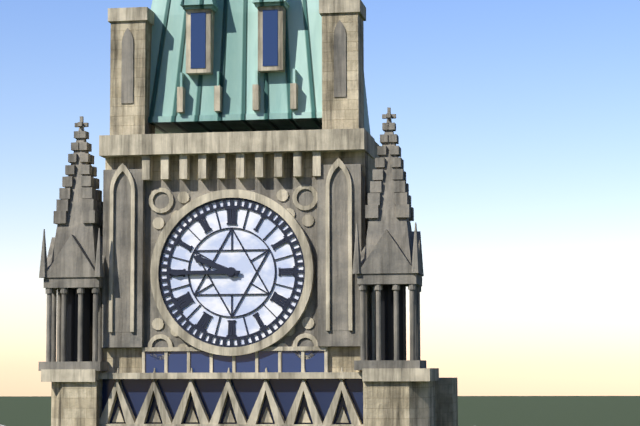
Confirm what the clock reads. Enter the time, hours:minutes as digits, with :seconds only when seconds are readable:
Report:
9:45
